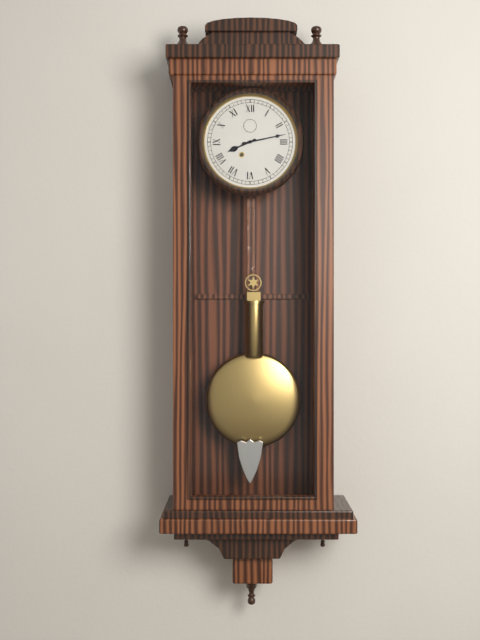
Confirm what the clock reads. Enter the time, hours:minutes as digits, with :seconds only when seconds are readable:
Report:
8:13
